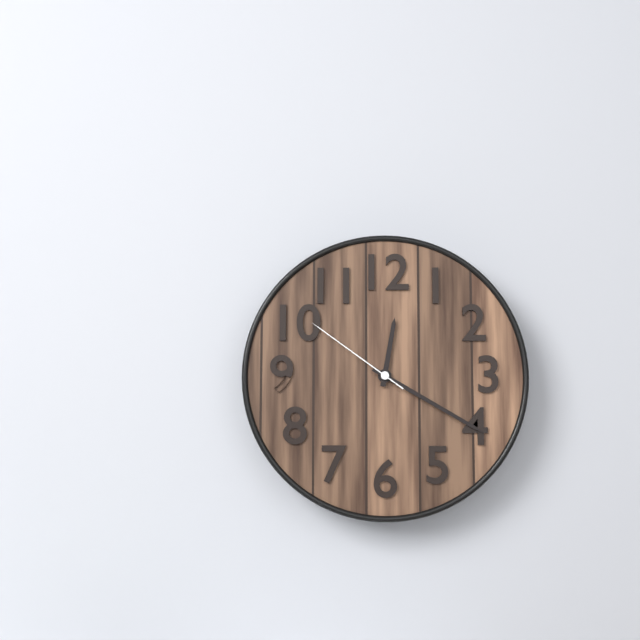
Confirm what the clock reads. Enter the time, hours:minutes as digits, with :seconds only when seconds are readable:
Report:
12:20:51
